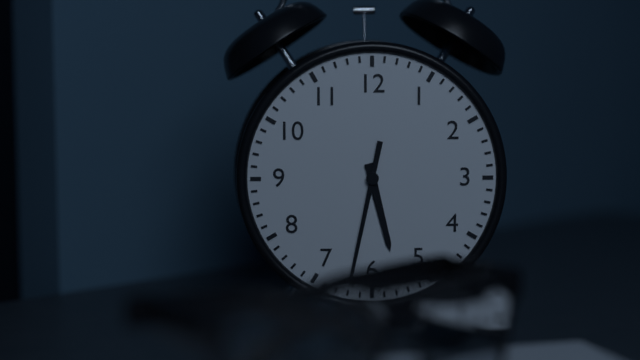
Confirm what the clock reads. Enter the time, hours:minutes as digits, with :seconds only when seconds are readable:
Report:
5:32
